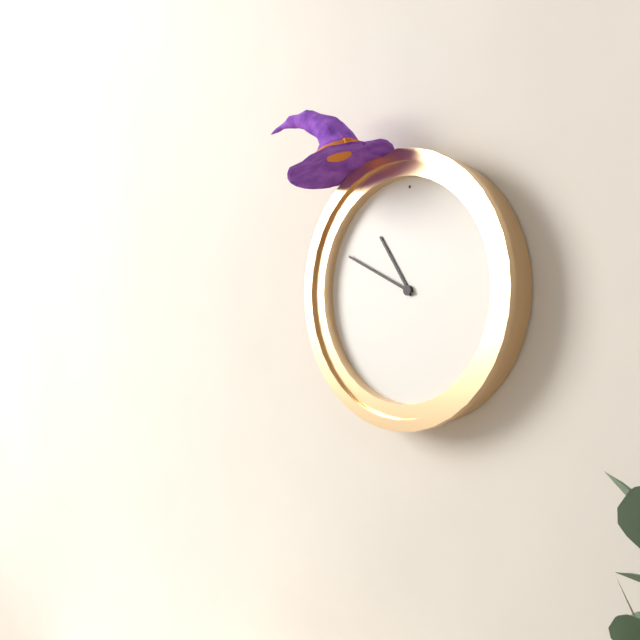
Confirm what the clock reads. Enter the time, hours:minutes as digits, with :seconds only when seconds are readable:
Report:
10:49
